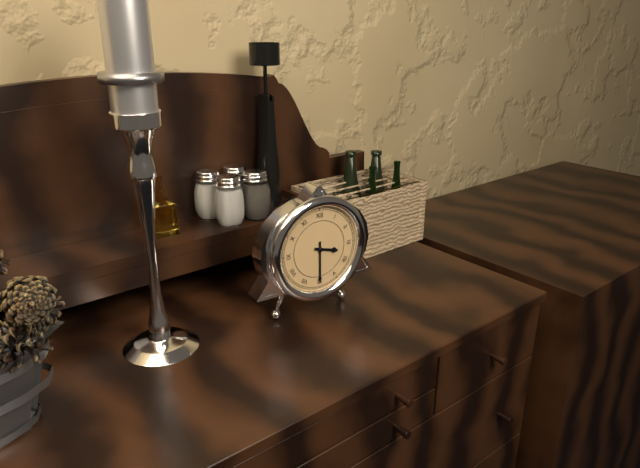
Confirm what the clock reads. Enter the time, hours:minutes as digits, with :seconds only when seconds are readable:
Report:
3:30
